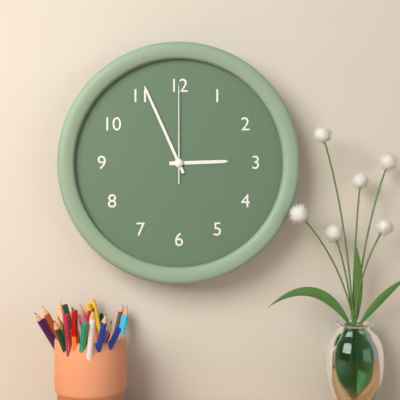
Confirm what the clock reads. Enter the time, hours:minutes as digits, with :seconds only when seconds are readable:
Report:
2:56:00
